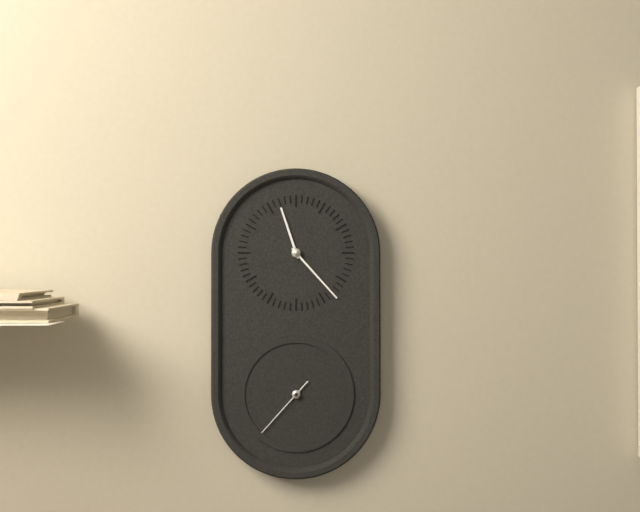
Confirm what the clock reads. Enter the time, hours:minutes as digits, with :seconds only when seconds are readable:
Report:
11:23:37
